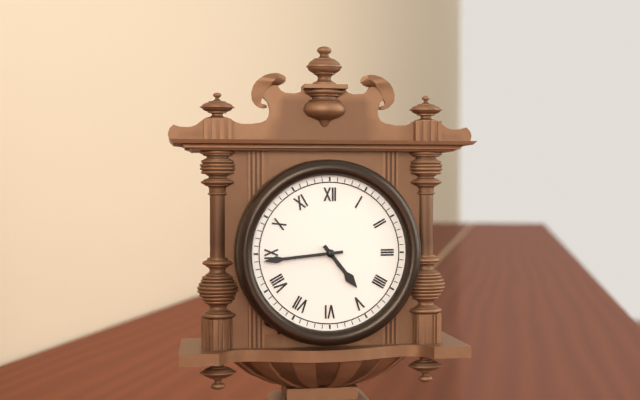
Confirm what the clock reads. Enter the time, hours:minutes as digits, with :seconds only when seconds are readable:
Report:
4:44
